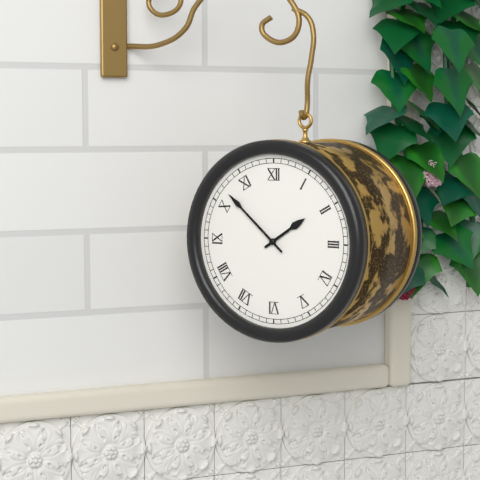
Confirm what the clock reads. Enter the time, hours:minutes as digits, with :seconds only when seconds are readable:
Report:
1:52
